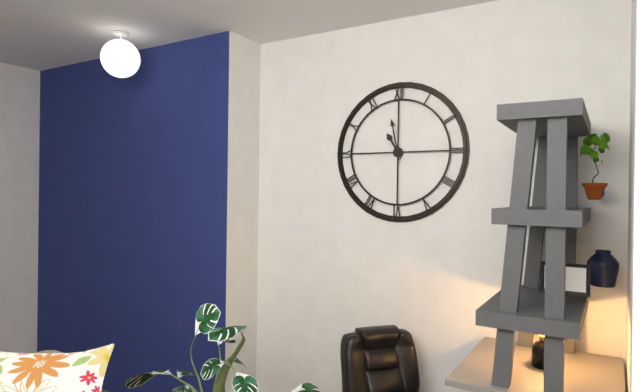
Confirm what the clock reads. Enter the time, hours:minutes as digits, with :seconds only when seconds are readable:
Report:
10:58
